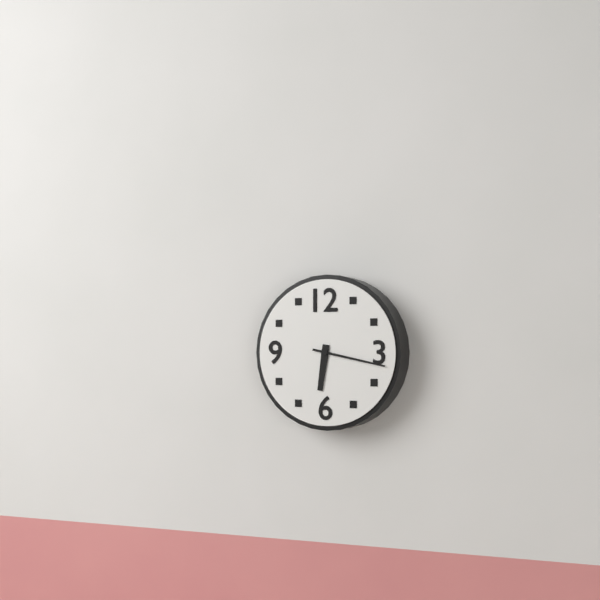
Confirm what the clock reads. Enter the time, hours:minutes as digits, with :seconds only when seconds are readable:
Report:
6:17
